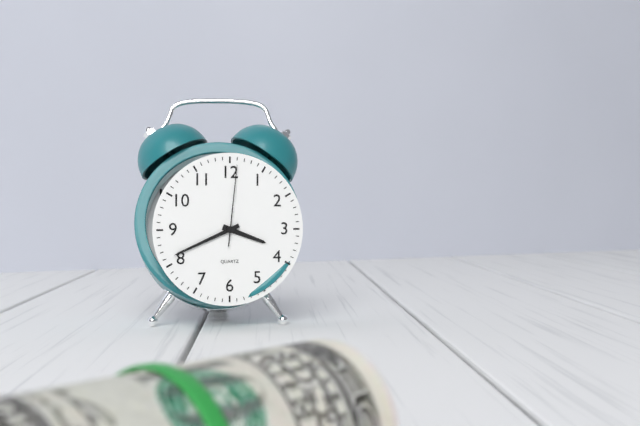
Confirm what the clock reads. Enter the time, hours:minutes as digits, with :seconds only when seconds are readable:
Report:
3:41:01
